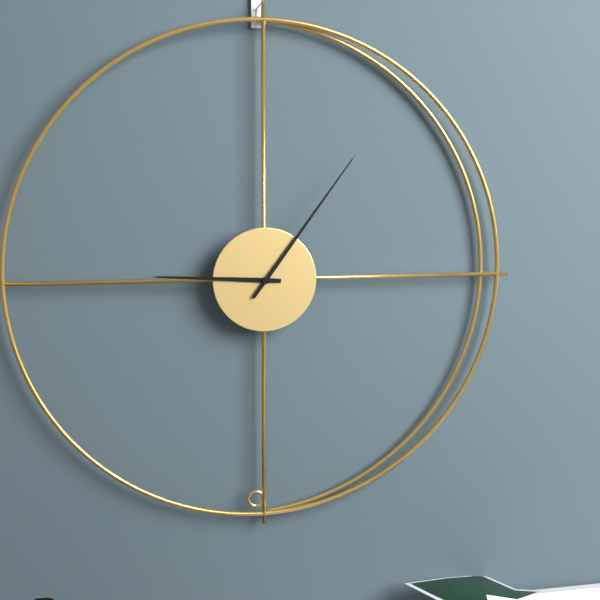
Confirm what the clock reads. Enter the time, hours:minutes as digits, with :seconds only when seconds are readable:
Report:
9:06
